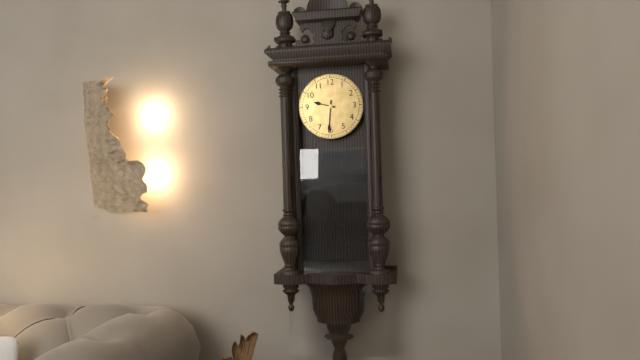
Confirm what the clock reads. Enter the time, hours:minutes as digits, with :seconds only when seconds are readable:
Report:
9:31
